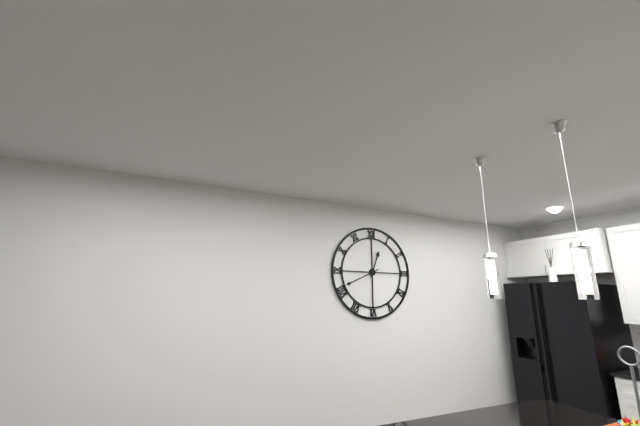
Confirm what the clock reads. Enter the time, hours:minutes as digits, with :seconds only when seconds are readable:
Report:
12:41
